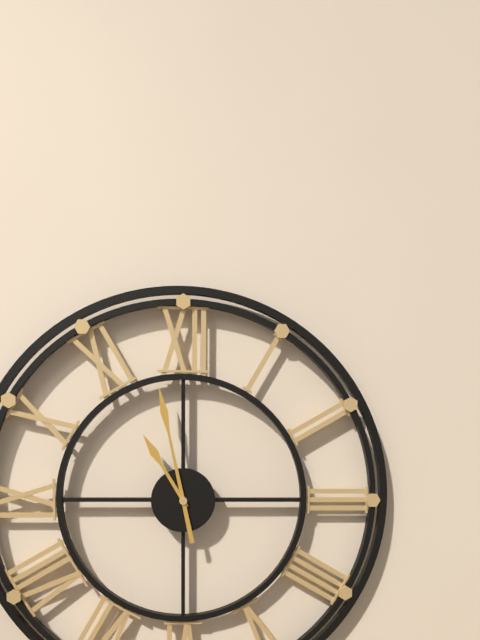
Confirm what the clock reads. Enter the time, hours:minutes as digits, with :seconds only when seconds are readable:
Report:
10:58
